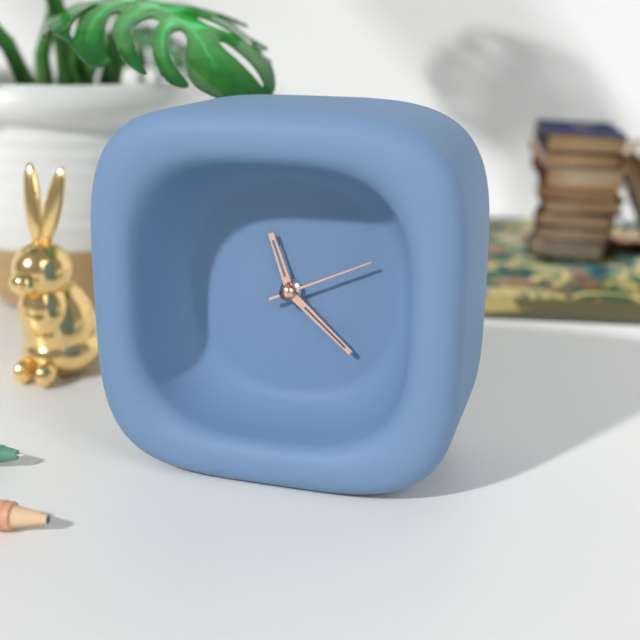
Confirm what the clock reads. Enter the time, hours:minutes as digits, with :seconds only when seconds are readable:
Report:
11:22:11
